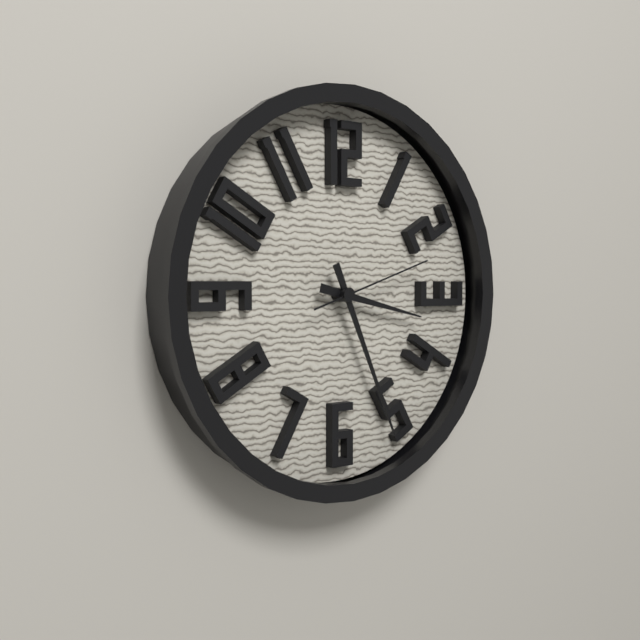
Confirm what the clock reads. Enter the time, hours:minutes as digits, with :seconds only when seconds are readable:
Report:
3:26:12
